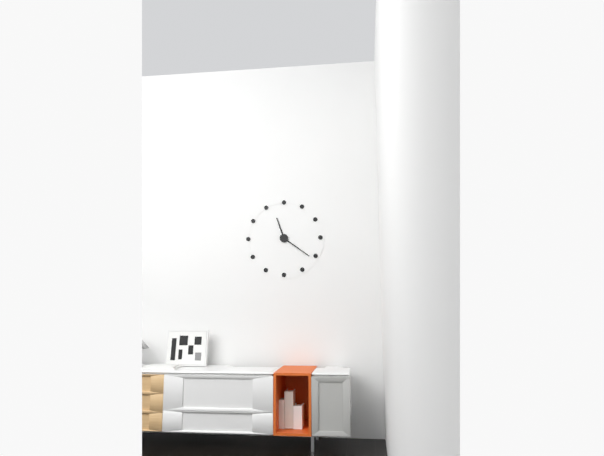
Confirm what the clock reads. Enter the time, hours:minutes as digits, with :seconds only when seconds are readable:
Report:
11:21
